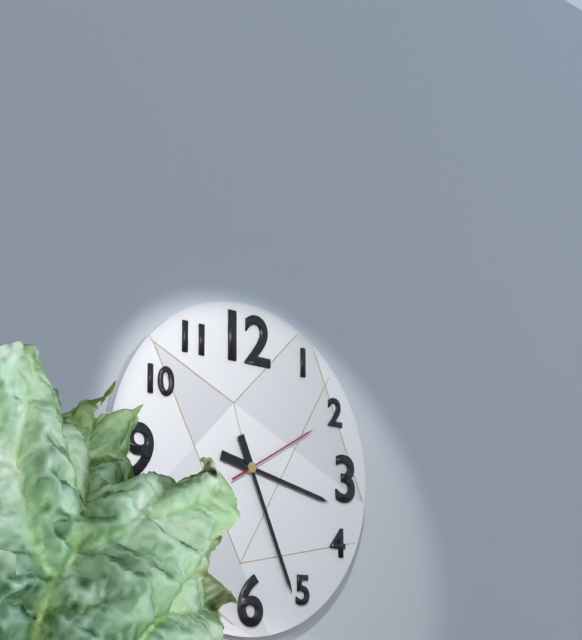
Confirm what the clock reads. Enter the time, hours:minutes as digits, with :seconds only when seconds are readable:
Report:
3:26:10
